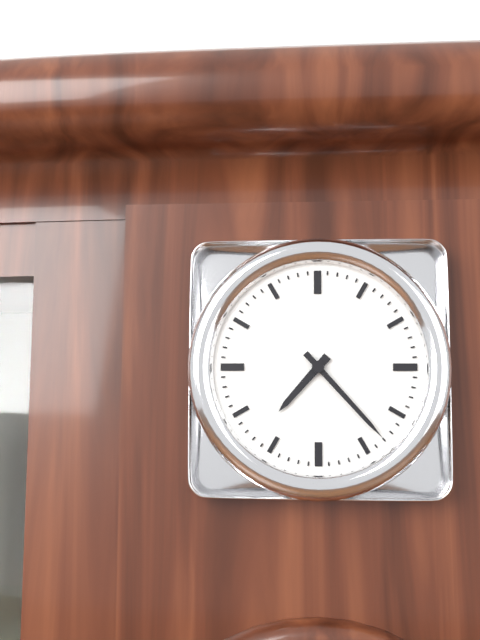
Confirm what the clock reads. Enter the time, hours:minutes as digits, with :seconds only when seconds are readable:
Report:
7:23
